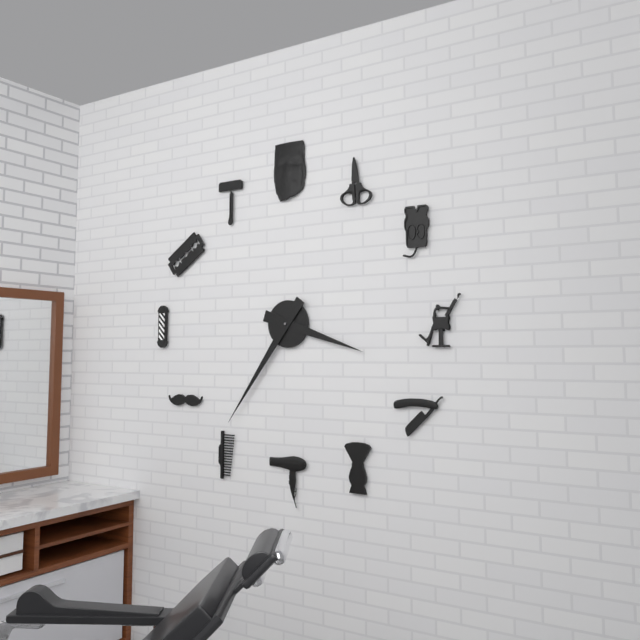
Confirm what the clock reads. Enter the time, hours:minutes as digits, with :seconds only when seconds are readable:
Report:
3:36
